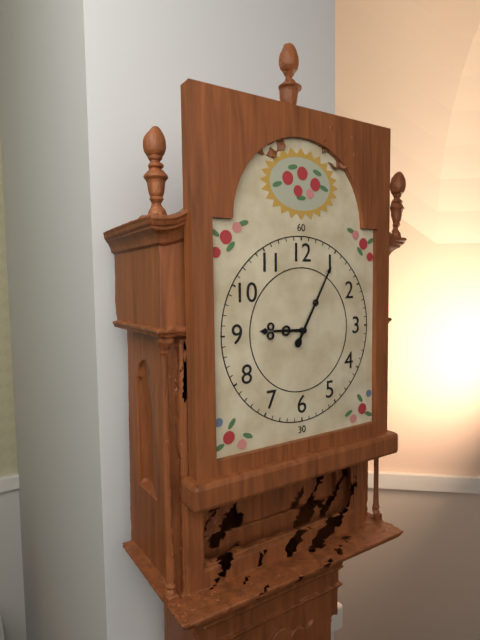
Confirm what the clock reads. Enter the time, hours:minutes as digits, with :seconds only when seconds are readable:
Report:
9:05
